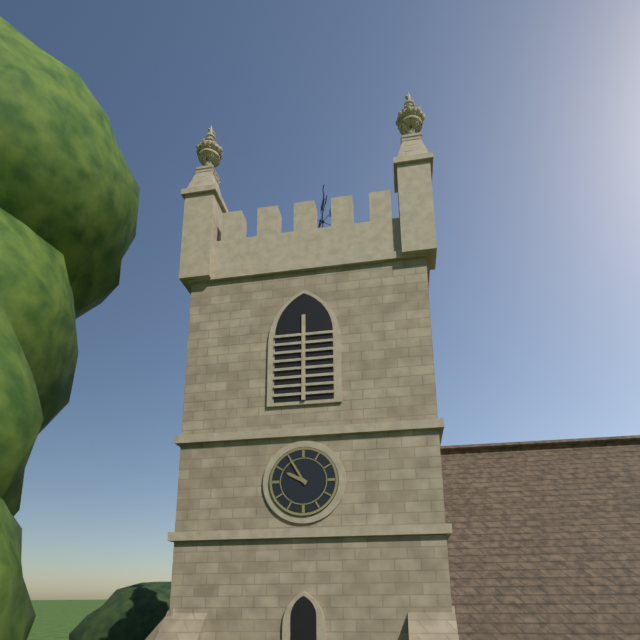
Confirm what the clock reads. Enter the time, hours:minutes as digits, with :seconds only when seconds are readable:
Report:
9:55
